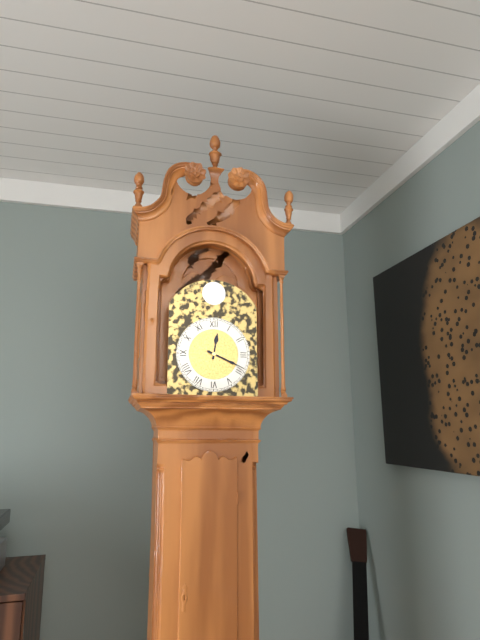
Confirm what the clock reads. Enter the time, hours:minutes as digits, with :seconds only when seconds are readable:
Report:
12:19
